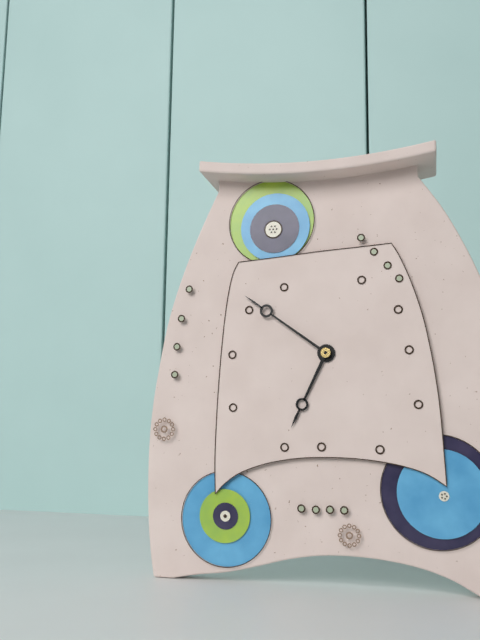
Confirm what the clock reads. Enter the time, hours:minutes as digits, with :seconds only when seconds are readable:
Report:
6:51
